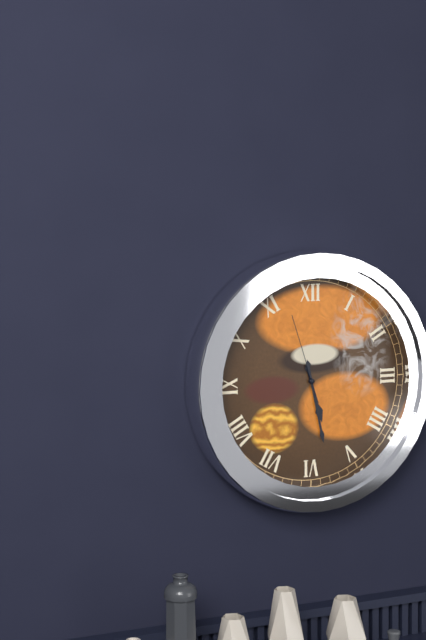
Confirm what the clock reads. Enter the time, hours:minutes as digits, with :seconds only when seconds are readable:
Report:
5:28:57
